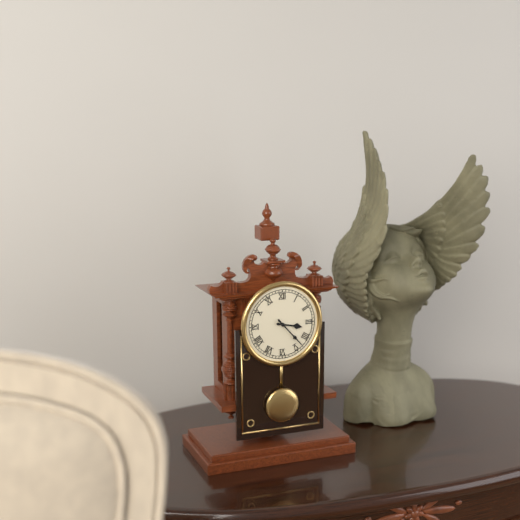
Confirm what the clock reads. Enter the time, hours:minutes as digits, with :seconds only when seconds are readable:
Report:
3:23
